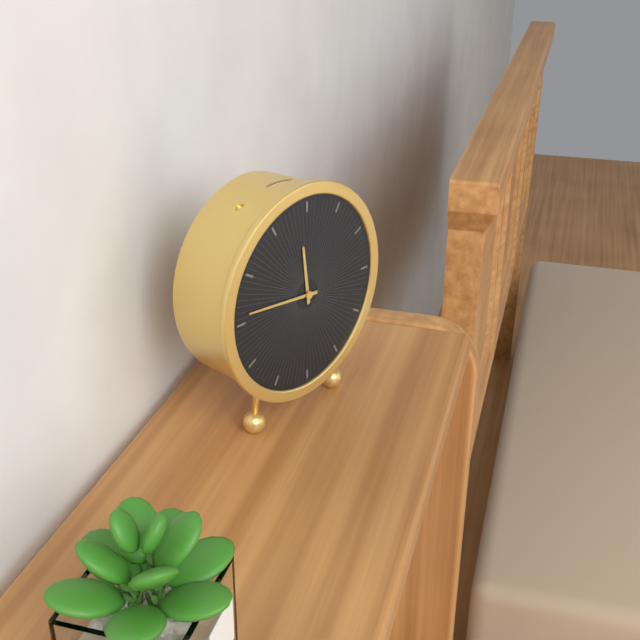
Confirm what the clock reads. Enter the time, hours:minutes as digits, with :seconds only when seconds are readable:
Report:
11:46
